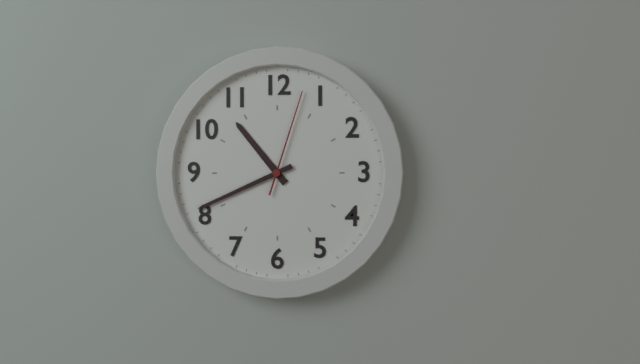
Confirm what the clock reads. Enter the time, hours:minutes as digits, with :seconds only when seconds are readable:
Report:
10:41:03
